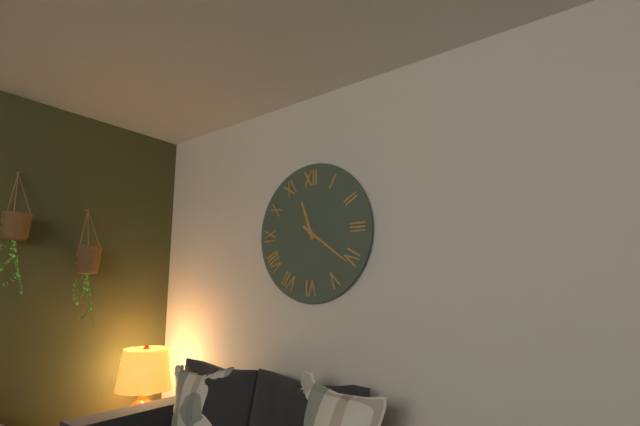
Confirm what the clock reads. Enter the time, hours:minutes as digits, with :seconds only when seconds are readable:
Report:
11:21
